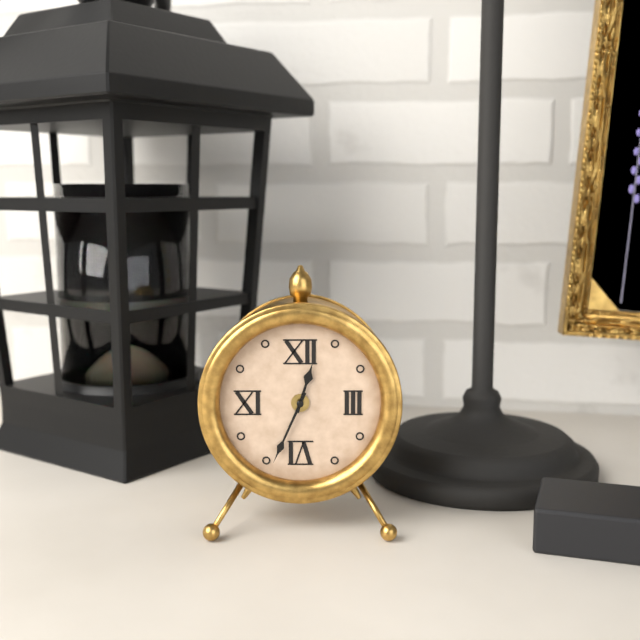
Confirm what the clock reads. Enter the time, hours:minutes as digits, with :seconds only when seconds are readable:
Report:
12:34
